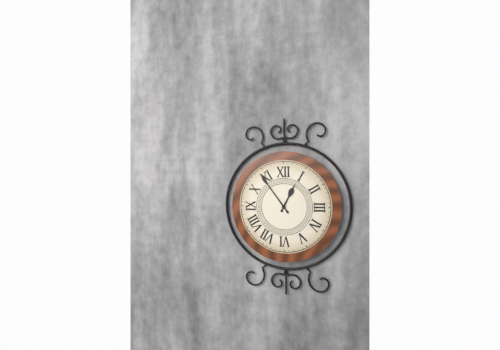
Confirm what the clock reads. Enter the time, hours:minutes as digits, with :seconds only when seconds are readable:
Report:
12:54
